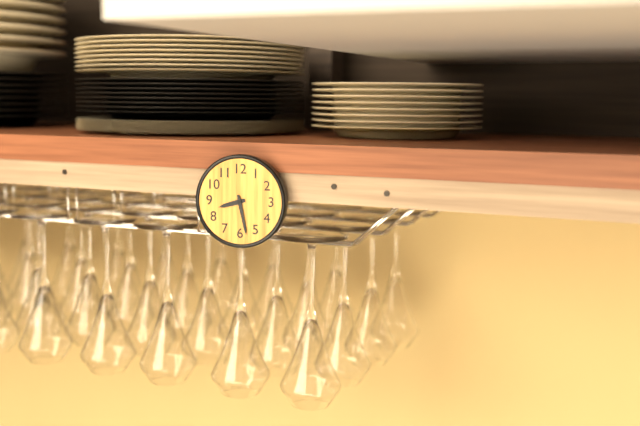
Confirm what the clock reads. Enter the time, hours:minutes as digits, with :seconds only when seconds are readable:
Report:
8:28
